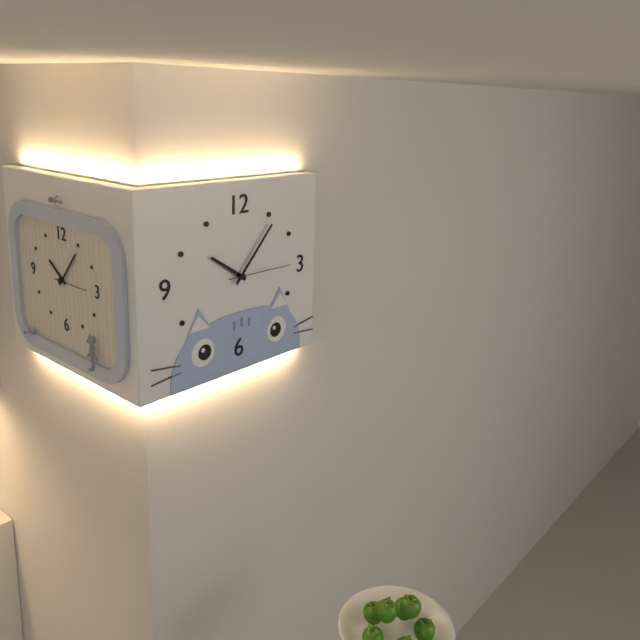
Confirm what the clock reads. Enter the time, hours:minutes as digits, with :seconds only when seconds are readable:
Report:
10:07:15
